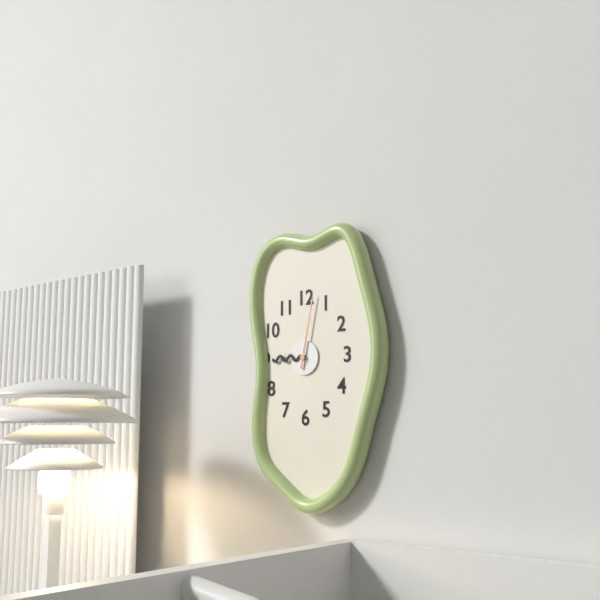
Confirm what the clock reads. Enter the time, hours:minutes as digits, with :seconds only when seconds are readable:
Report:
9:02
